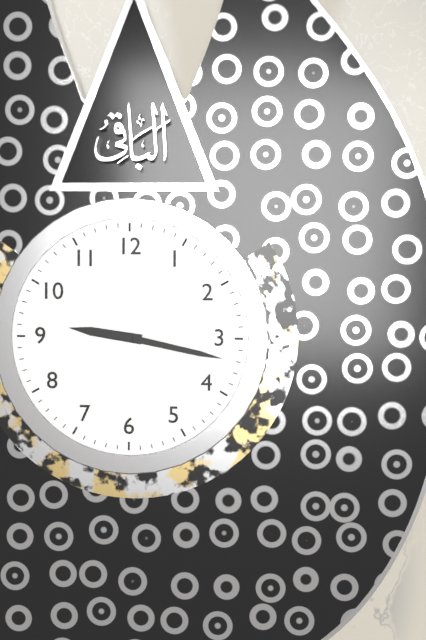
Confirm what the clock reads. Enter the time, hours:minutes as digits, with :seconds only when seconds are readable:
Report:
9:17
